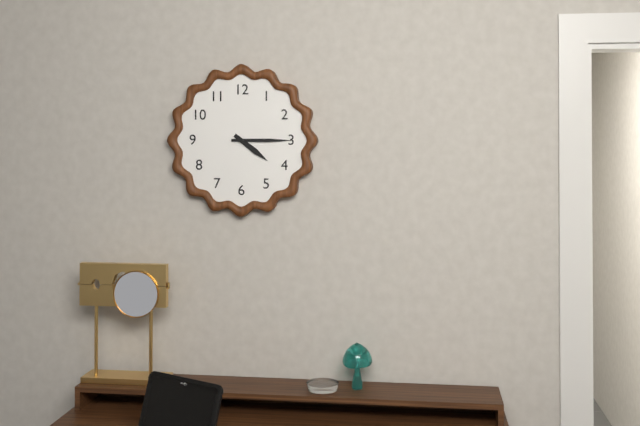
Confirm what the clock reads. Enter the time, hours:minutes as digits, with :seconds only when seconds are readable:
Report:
4:15
